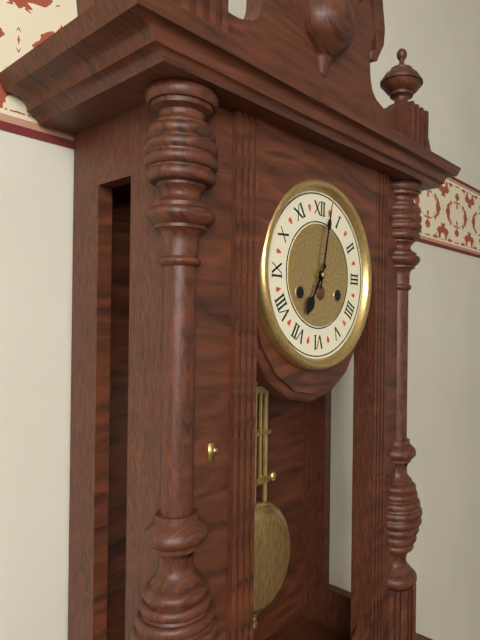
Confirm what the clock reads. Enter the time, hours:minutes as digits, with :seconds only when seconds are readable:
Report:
7:02
